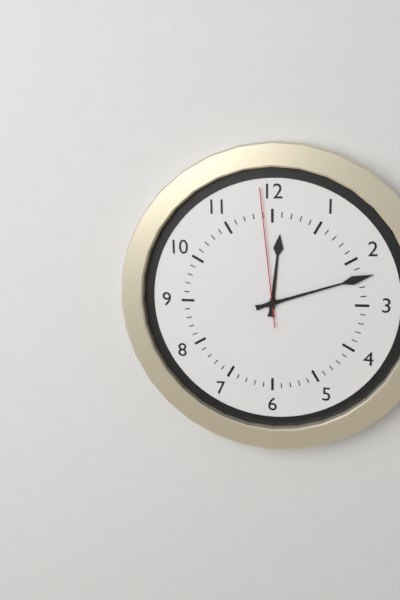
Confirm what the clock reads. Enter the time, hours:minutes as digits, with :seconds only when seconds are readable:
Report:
12:12:59
